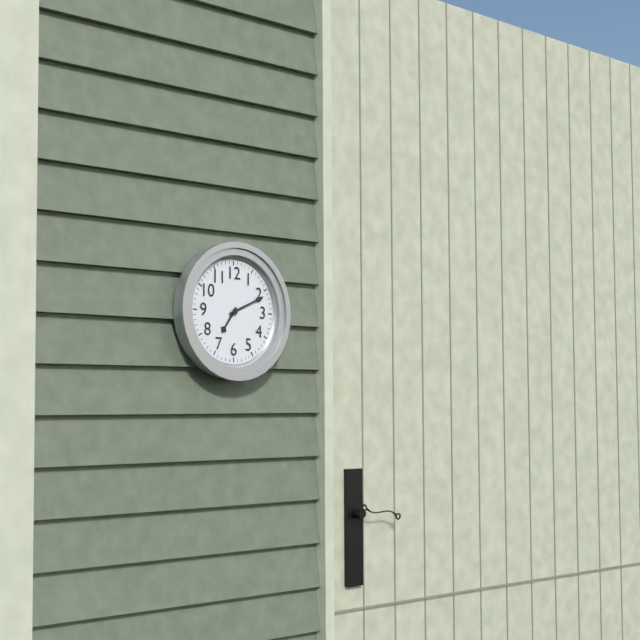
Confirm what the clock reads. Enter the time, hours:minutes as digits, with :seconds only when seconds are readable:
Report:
7:11
